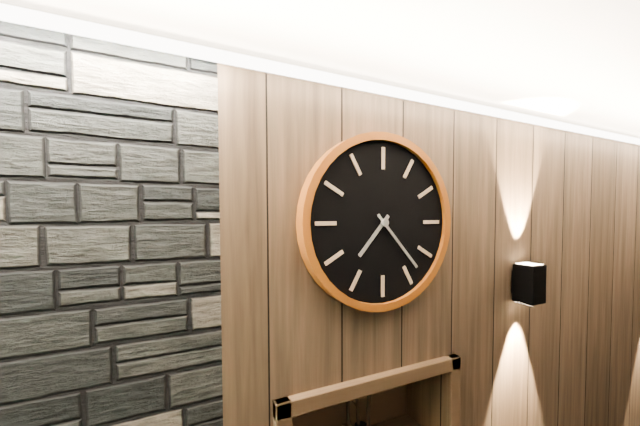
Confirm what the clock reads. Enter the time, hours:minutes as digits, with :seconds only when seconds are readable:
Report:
7:23
